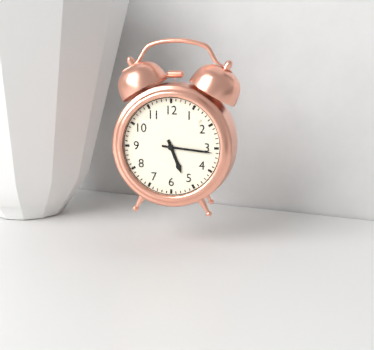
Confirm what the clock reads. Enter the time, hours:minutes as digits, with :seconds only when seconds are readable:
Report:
5:16
